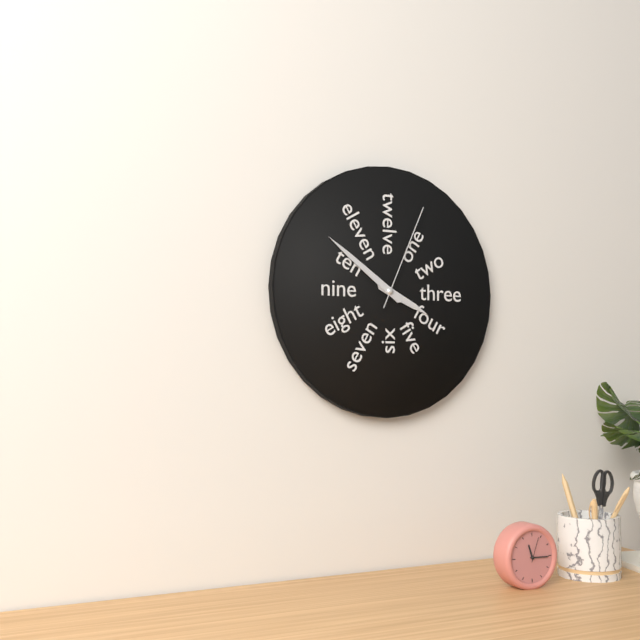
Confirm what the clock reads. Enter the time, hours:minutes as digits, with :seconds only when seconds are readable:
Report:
3:51:04
